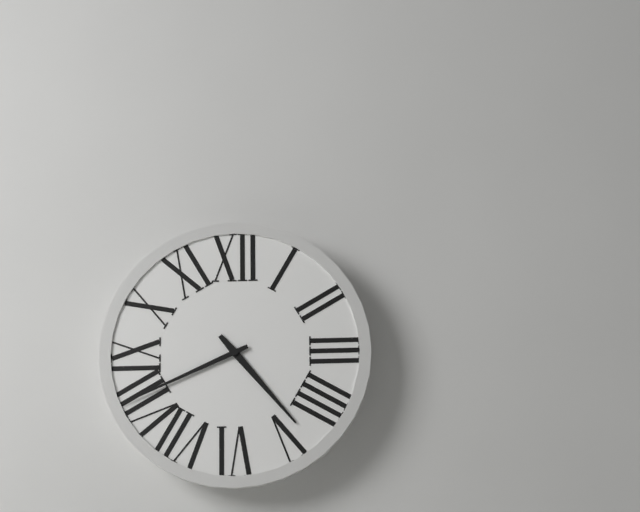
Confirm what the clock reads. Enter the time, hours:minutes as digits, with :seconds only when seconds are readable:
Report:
4:41
